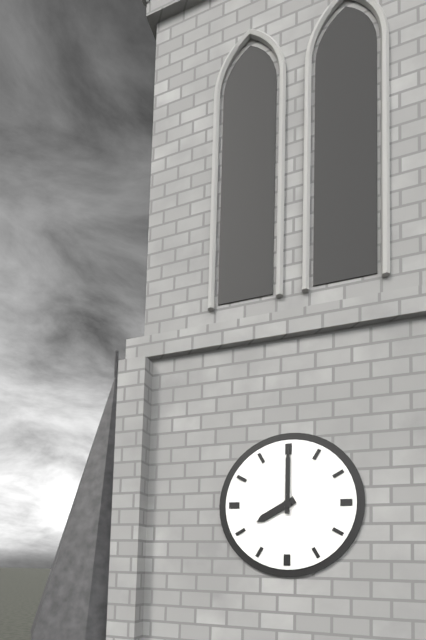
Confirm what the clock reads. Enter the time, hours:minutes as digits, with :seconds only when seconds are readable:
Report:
8:00
